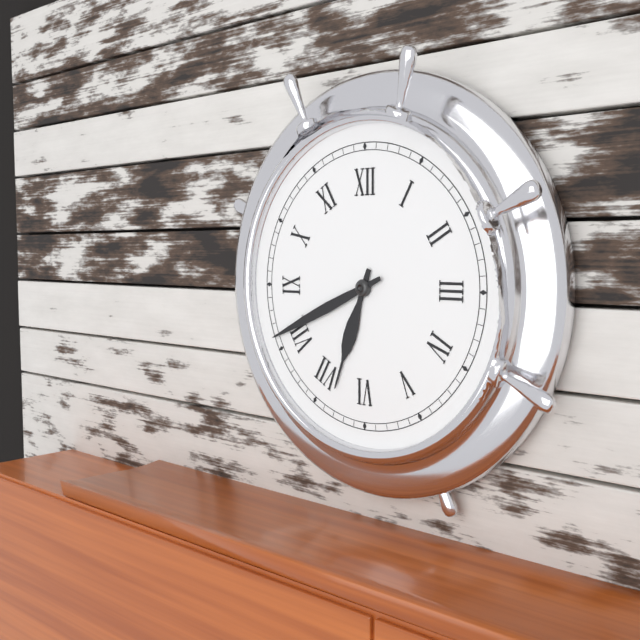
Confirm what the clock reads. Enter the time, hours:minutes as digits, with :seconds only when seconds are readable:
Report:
6:41
